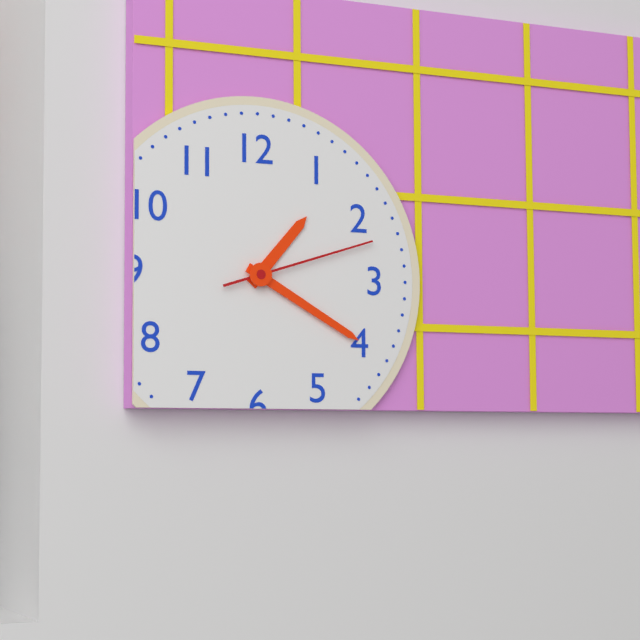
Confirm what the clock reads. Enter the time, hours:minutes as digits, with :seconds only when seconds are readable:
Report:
1:20:12
